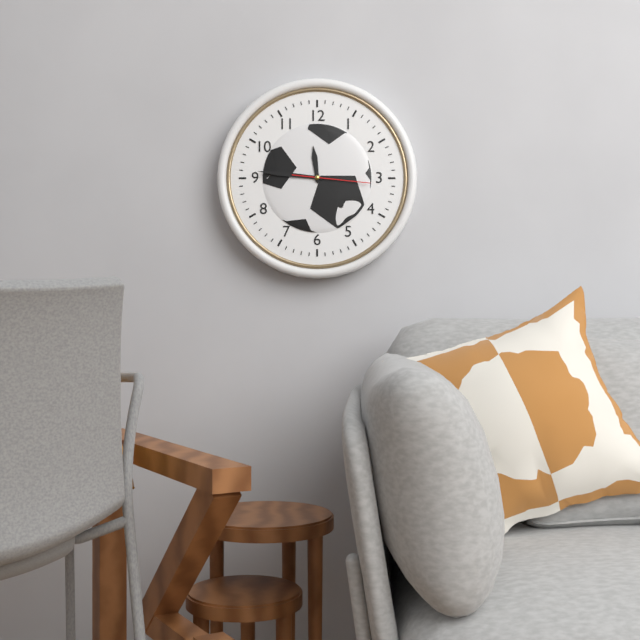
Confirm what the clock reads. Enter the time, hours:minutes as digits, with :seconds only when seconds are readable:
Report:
11:46:16
